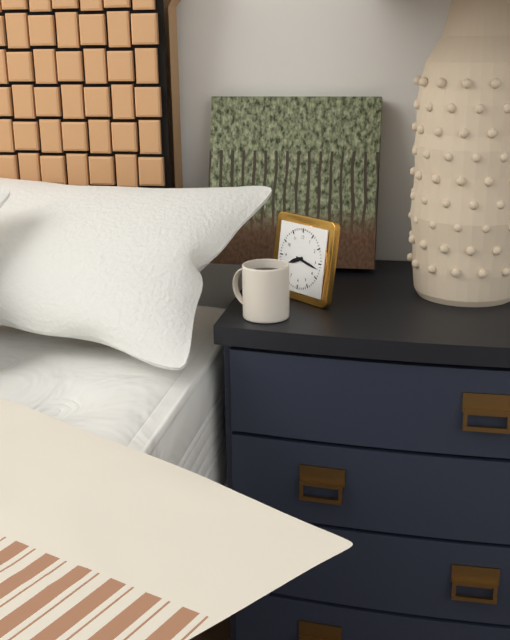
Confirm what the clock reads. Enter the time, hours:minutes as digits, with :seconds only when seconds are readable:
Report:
8:17
